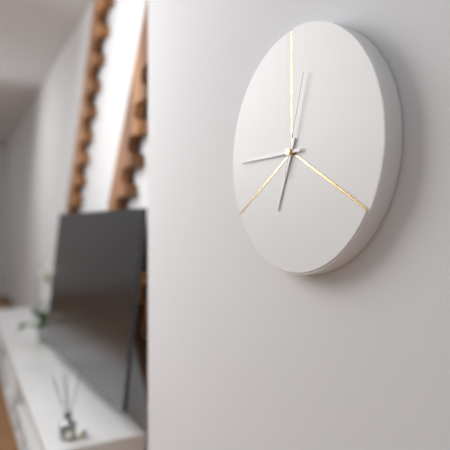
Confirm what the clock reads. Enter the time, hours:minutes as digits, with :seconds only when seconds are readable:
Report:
6:45:03
